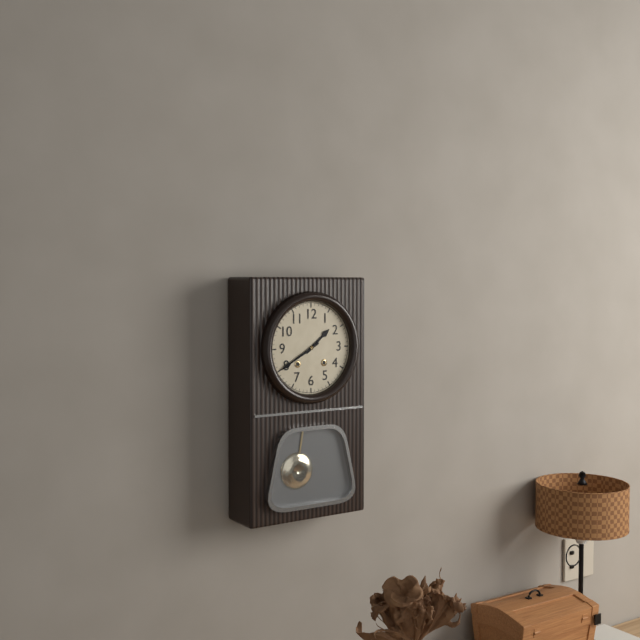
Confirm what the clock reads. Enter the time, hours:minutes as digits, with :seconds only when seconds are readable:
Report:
1:40
